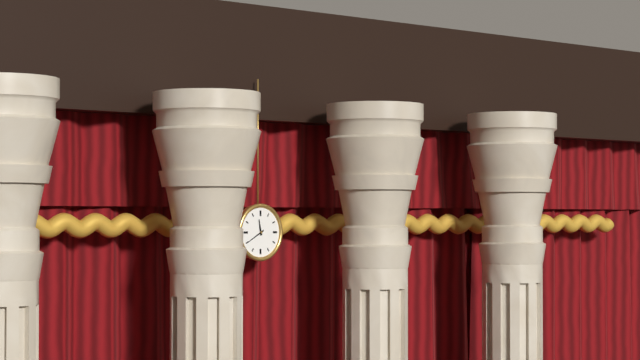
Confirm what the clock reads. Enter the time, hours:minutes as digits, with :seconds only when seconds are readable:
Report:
11:40
